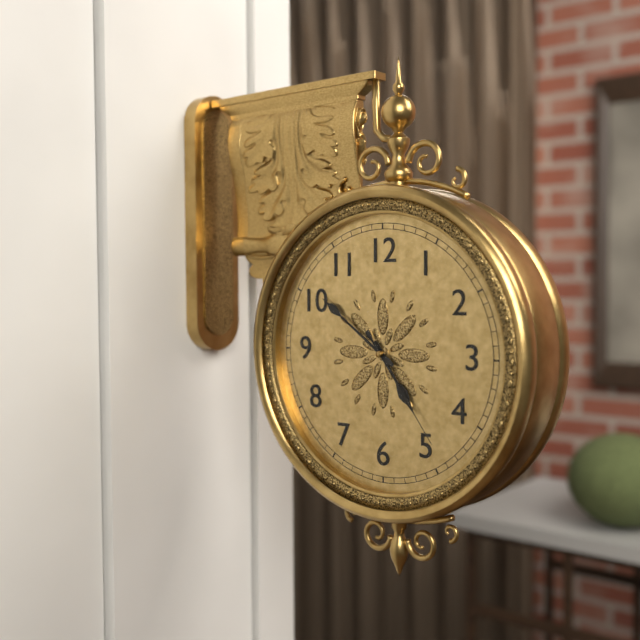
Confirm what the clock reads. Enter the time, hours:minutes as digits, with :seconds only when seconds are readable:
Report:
4:51:24
